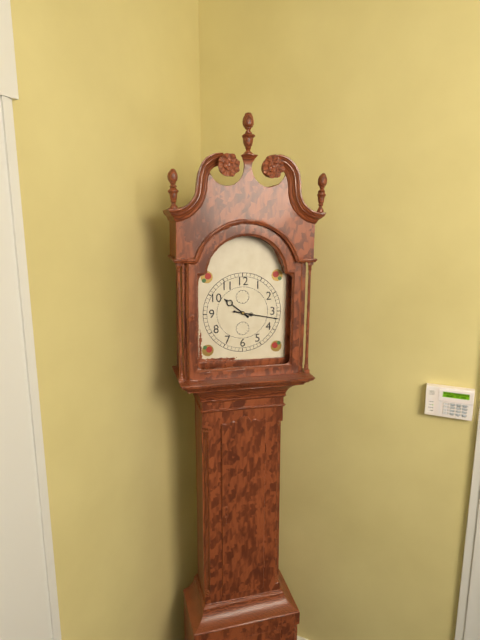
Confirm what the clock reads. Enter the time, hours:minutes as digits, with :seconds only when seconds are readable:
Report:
10:17
